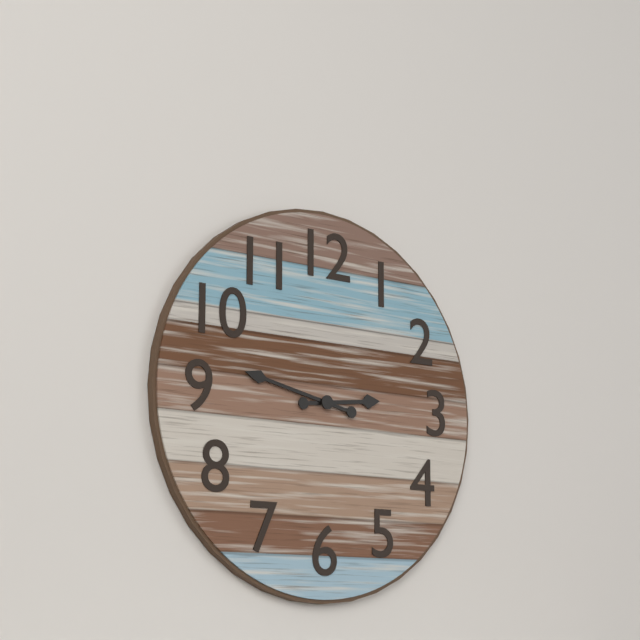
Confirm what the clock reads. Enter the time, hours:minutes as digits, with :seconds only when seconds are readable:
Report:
2:47
